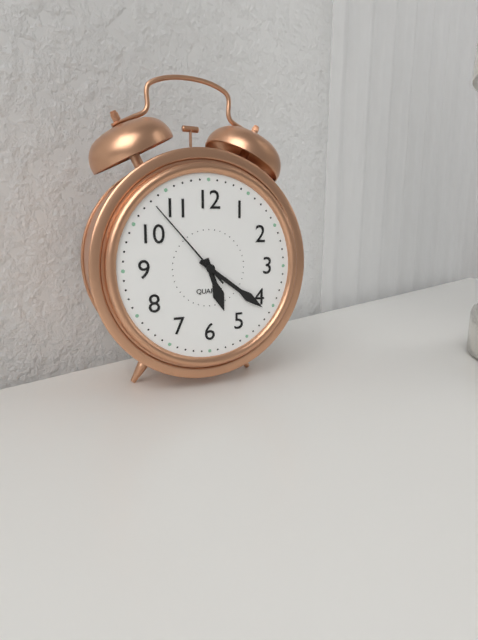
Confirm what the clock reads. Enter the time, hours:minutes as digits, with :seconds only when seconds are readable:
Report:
5:21:53
